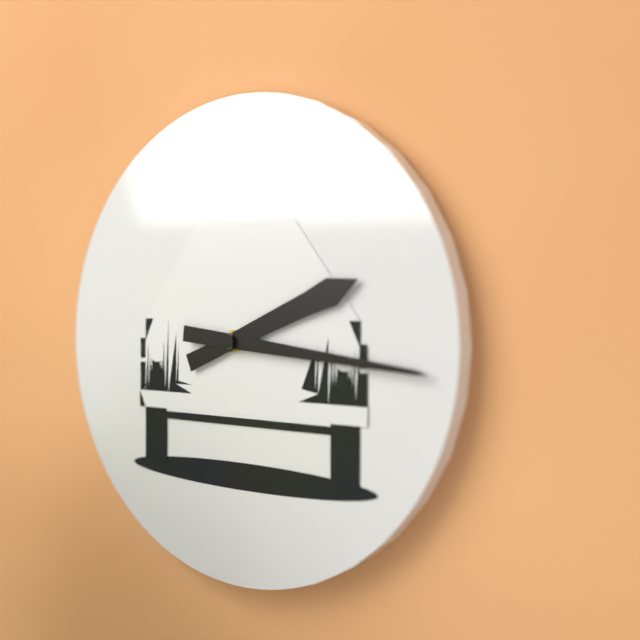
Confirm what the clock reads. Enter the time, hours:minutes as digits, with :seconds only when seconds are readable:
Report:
2:16
